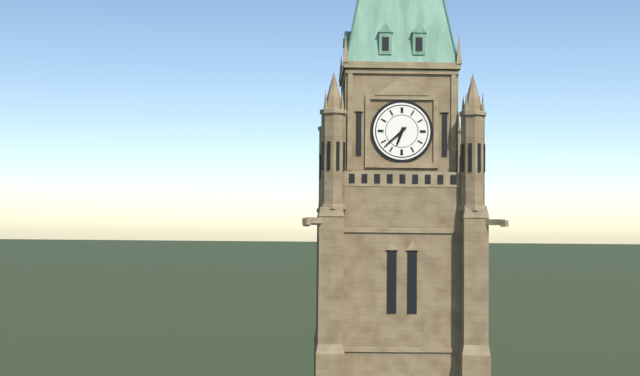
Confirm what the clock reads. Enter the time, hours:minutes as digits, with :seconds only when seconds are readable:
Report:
6:38
